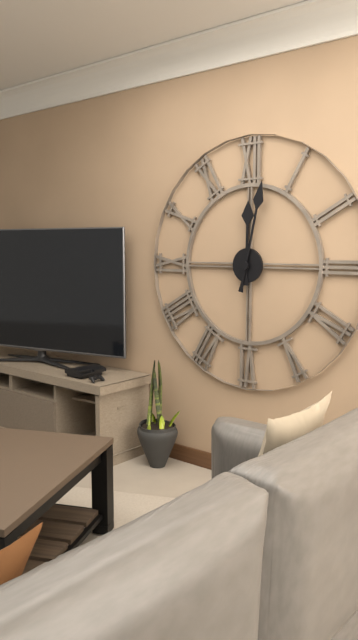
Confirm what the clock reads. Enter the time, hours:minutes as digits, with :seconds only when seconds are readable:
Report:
12:02
